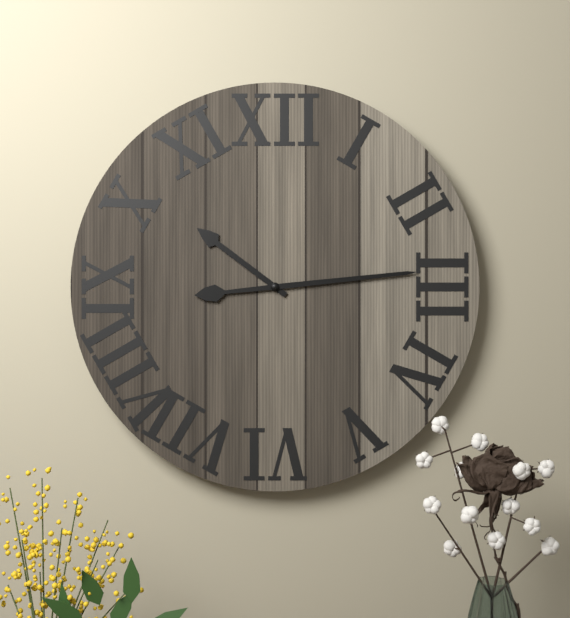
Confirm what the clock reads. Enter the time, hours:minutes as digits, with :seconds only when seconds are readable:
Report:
10:14
